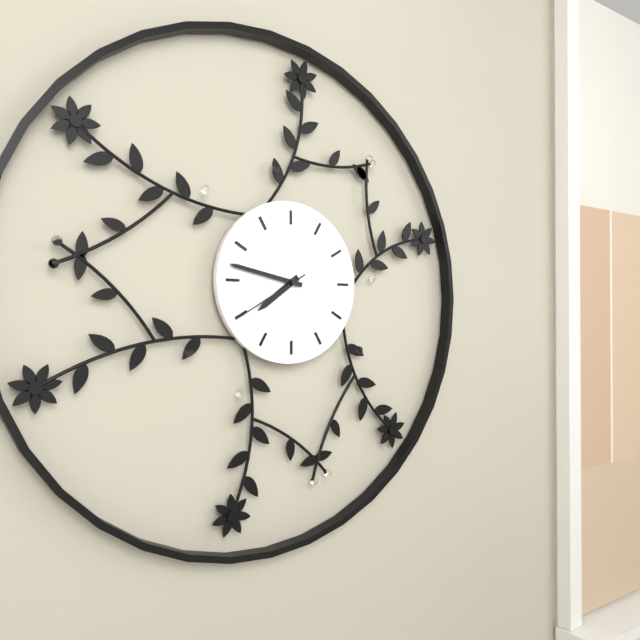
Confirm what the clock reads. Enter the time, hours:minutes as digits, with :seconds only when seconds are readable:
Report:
7:47:40
